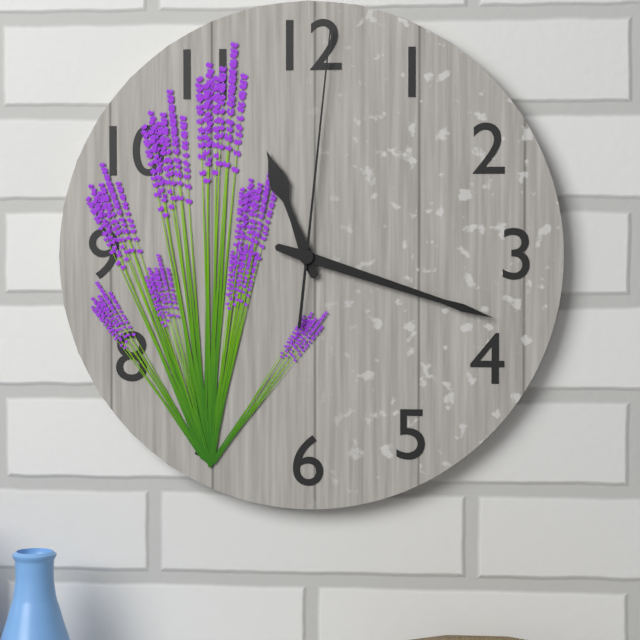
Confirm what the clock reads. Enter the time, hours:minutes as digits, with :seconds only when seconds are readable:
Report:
11:18:01
